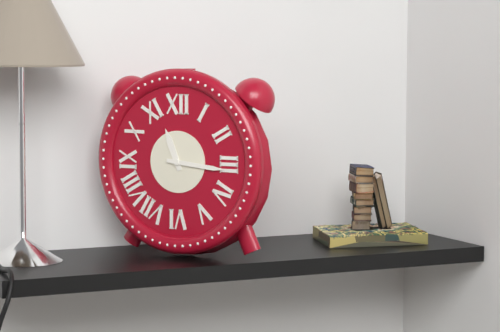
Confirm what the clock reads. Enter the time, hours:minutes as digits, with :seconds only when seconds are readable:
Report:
11:16
